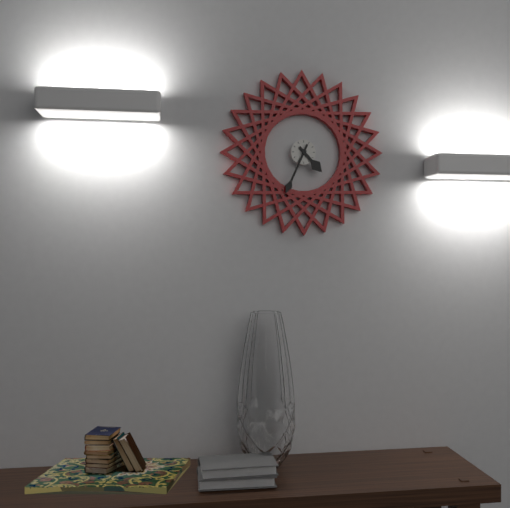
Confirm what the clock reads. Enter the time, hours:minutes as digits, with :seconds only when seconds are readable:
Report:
4:34
